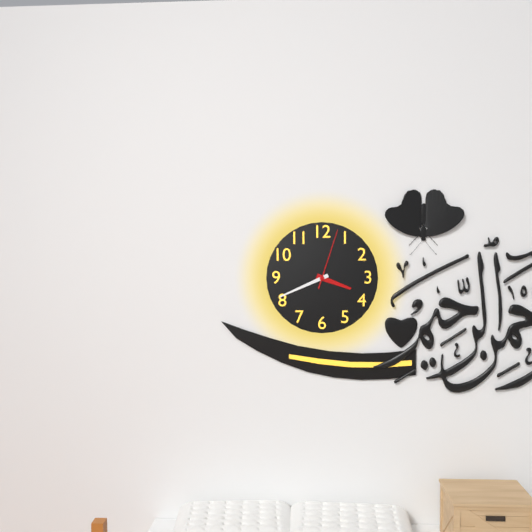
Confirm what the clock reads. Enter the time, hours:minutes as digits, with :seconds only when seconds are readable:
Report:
3:41:03
